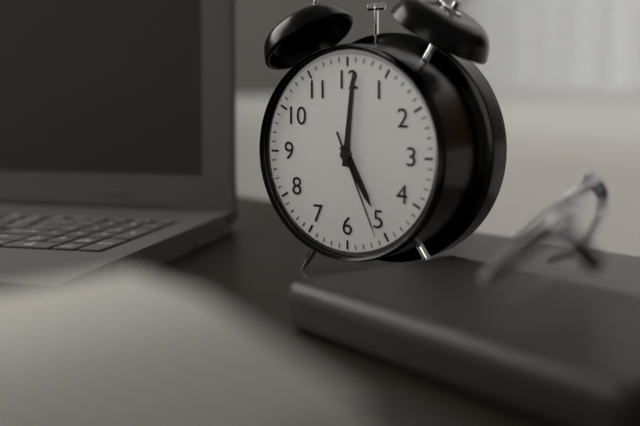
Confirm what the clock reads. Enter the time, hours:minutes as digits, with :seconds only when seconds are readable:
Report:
5:01:26
